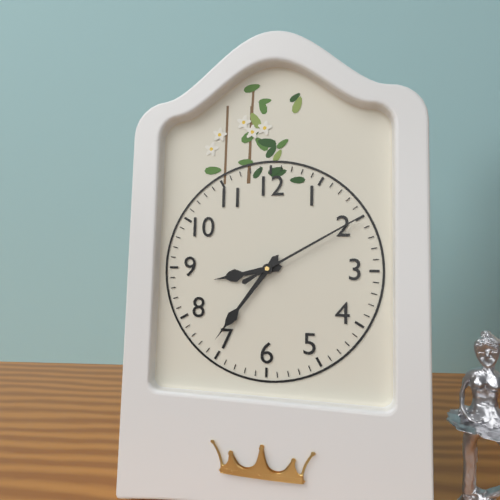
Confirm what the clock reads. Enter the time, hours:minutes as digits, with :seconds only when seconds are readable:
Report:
8:36:10
